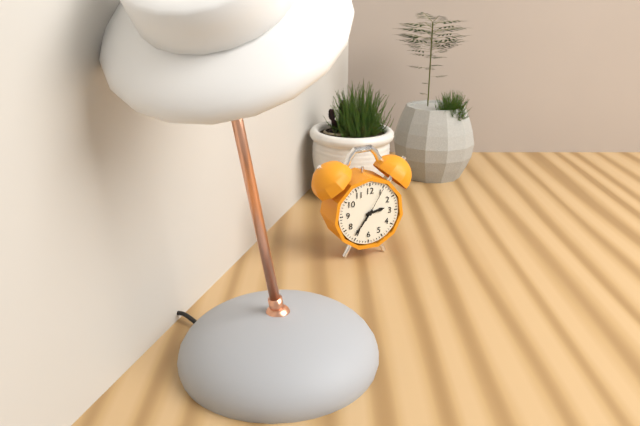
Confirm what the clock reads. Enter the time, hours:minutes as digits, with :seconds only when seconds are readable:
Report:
2:36
